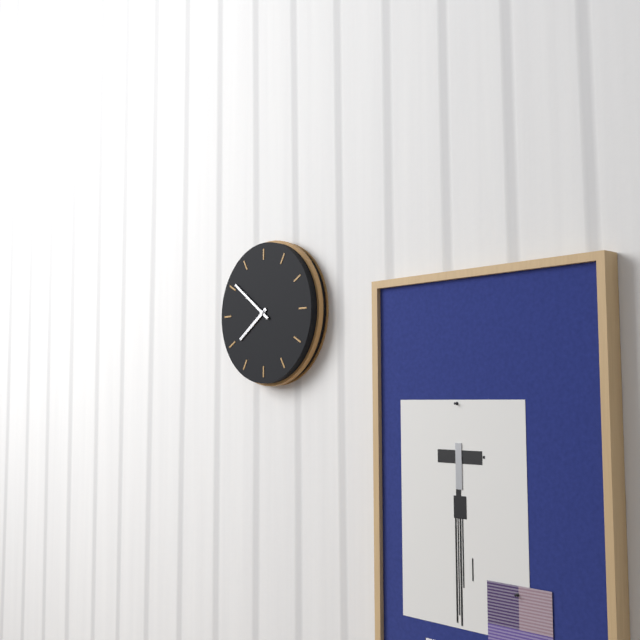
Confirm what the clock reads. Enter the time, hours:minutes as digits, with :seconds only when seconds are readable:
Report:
7:51
